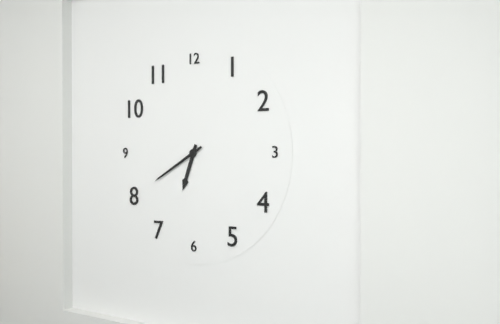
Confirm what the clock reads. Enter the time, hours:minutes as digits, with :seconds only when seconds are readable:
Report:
6:40
